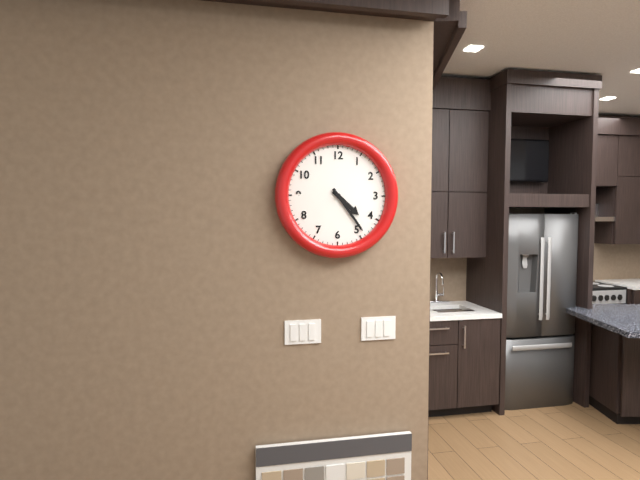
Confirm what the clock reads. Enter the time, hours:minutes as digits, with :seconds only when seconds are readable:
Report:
4:24
